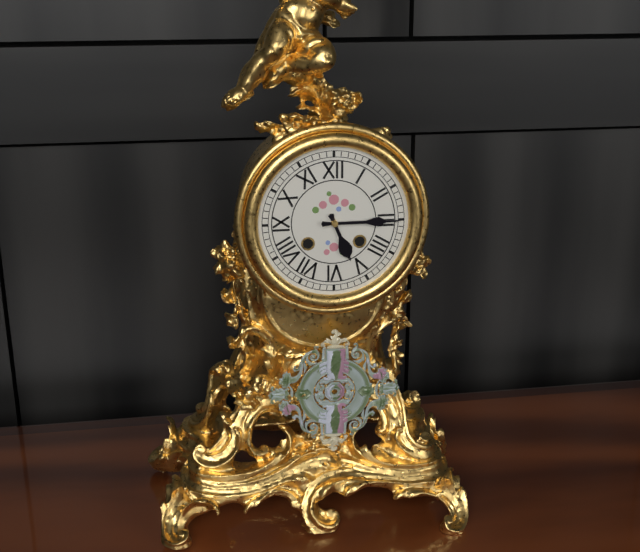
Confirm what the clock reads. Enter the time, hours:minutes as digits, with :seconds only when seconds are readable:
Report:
5:15
